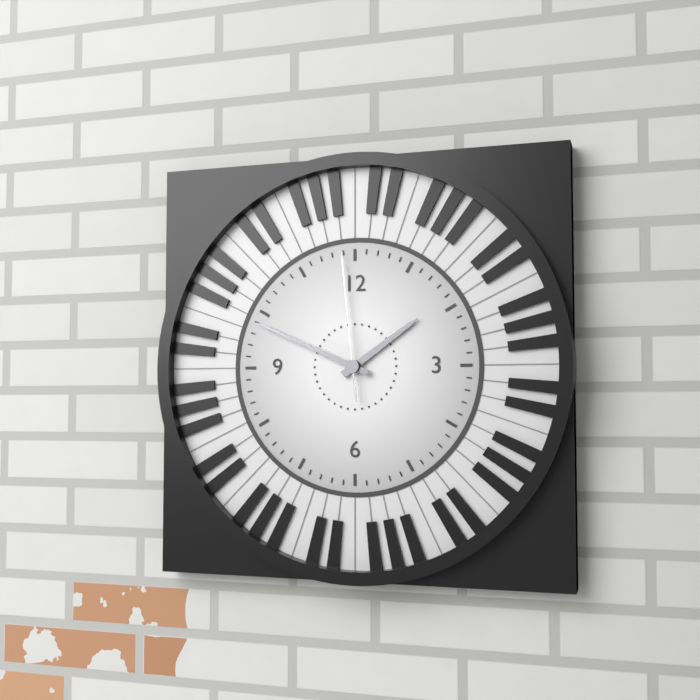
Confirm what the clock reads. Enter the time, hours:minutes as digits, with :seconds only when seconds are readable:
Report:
1:49:59
